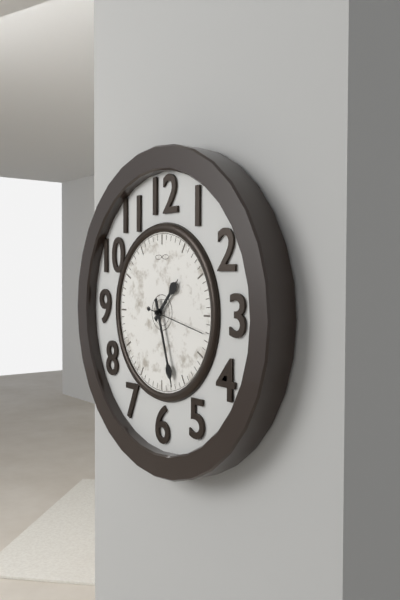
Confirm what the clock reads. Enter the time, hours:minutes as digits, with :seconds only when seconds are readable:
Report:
1:27:17
